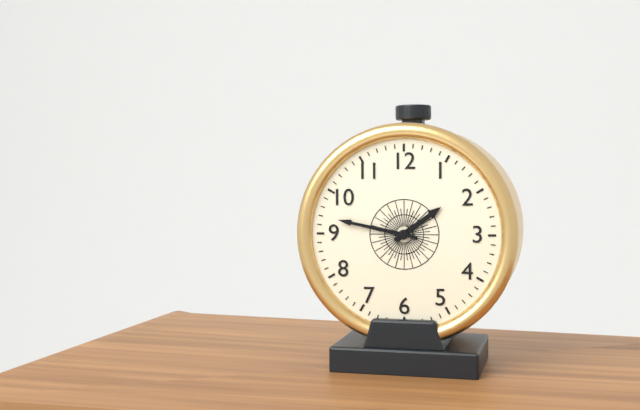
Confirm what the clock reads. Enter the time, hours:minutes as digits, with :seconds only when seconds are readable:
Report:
1:47
